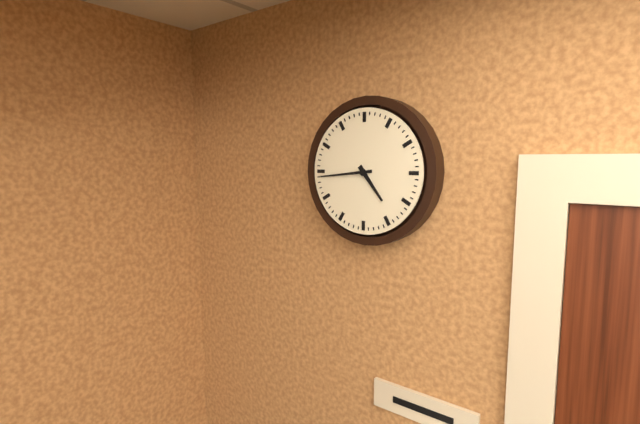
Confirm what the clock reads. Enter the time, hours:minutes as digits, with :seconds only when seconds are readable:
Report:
4:44
